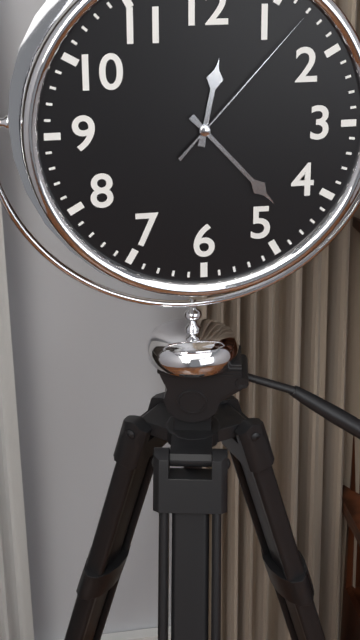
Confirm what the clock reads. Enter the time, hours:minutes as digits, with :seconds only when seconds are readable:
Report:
12:23:07
